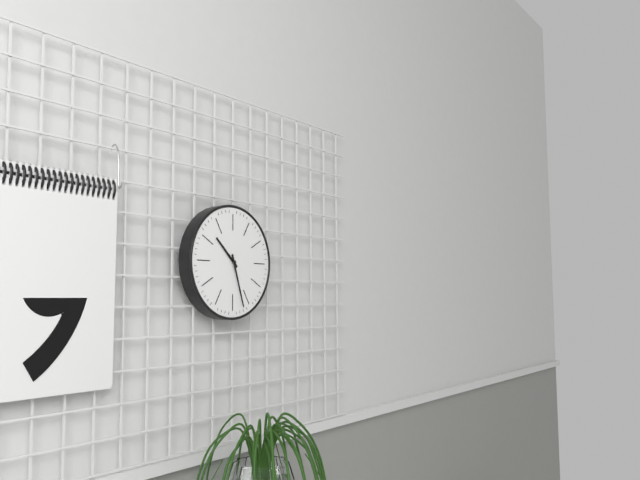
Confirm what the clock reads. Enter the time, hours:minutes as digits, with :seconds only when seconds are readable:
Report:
10:27
